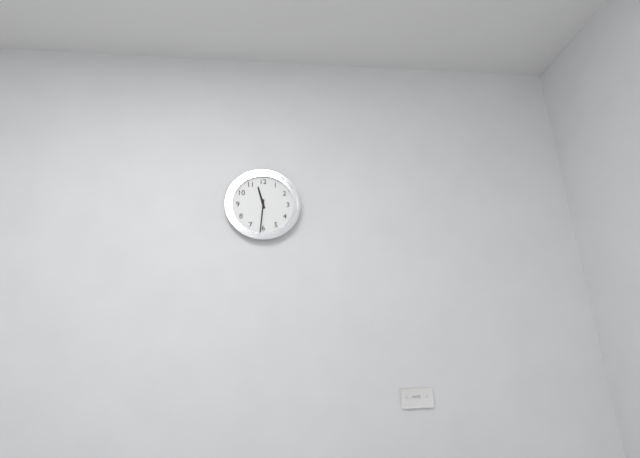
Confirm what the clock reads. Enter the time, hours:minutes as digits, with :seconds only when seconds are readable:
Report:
11:31
